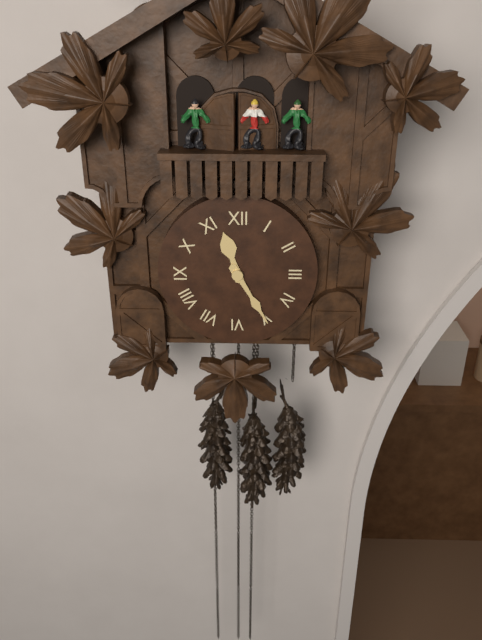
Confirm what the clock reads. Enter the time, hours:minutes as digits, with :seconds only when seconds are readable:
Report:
11:25
